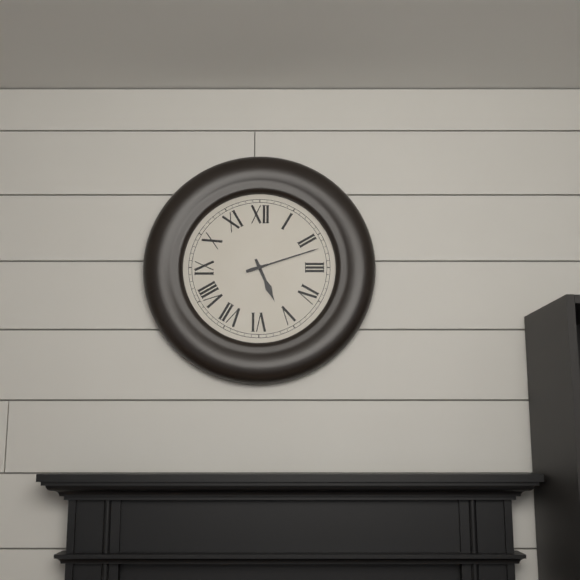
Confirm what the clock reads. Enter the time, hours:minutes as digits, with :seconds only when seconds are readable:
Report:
5:12
